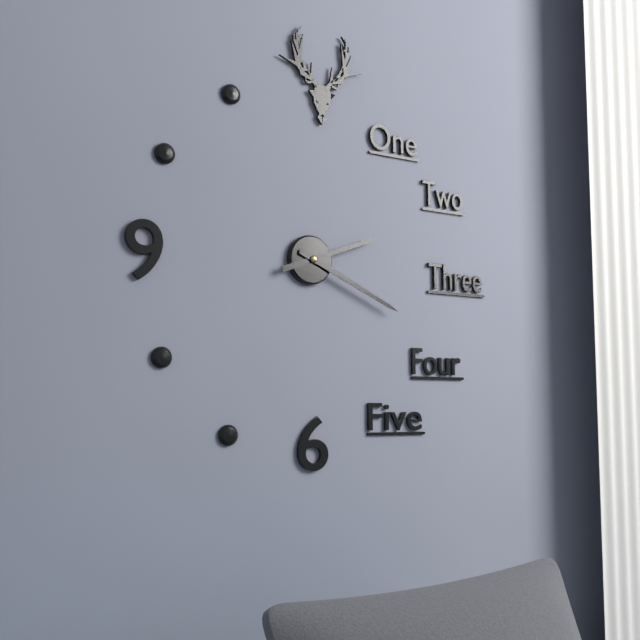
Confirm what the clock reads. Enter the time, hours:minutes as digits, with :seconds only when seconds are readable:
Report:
2:19
